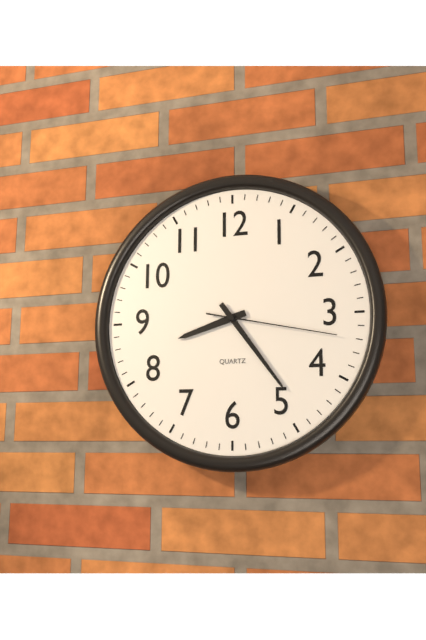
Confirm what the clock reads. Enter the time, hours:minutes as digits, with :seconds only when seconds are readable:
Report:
8:24:17
